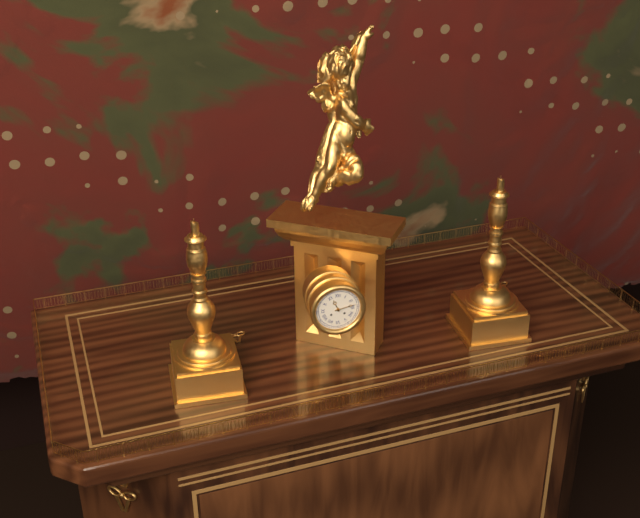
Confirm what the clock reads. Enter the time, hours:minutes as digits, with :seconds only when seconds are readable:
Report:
11:13
